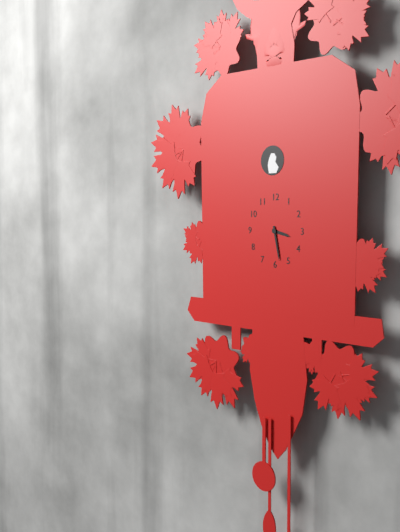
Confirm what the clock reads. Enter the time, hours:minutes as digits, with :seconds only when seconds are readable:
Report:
3:28
